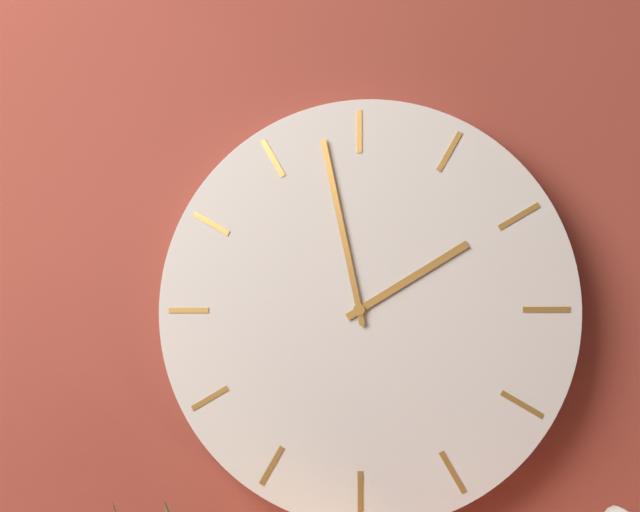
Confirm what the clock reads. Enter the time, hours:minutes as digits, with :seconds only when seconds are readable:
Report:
1:58
